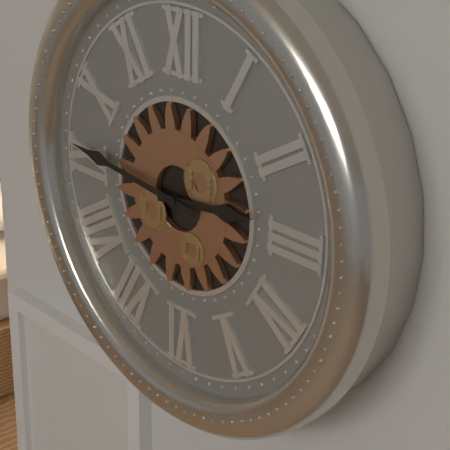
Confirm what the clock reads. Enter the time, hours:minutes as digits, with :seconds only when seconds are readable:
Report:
2:46
